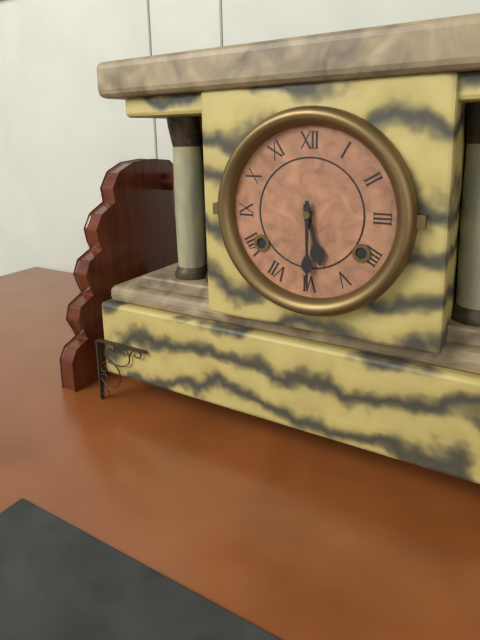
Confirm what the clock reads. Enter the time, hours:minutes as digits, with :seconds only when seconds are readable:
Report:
5:30
